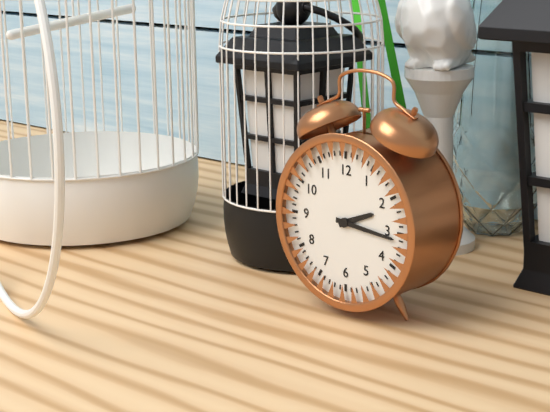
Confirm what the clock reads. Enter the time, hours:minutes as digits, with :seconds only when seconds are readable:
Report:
2:16
